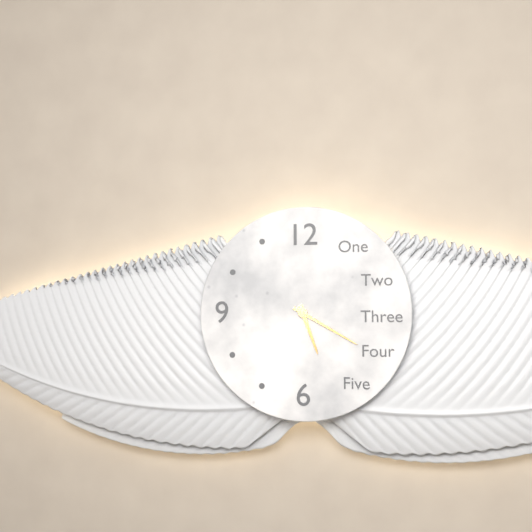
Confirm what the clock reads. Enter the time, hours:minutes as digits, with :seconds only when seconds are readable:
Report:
5:20
